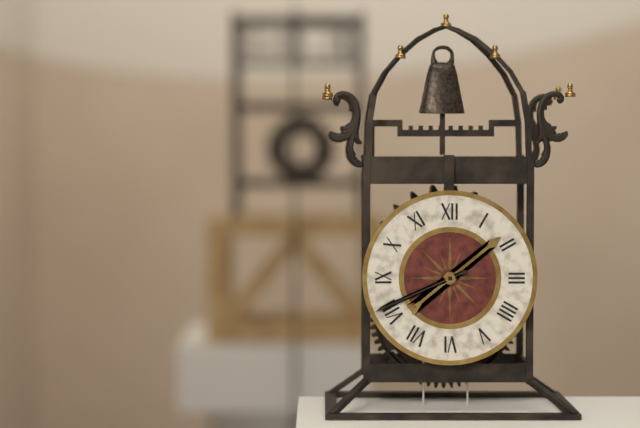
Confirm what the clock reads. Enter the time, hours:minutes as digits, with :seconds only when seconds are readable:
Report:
1:41
